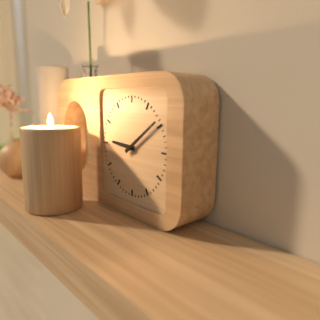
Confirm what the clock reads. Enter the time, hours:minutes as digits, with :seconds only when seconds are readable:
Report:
9:09
